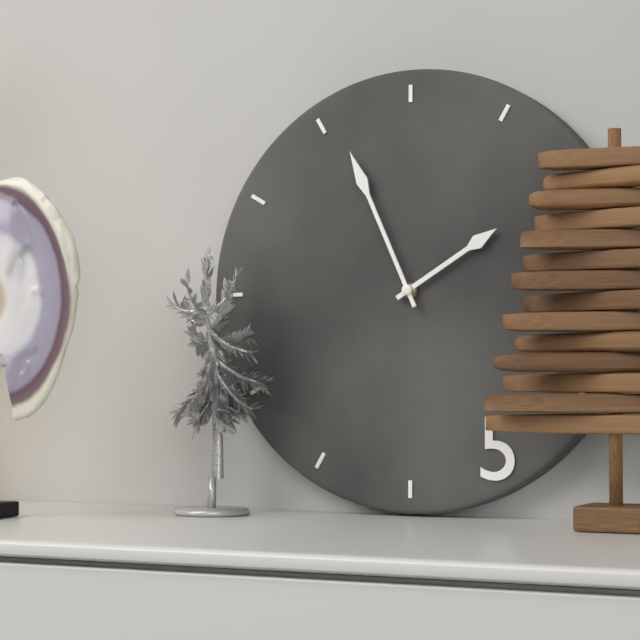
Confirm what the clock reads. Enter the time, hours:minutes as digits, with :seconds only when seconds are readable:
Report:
1:56
